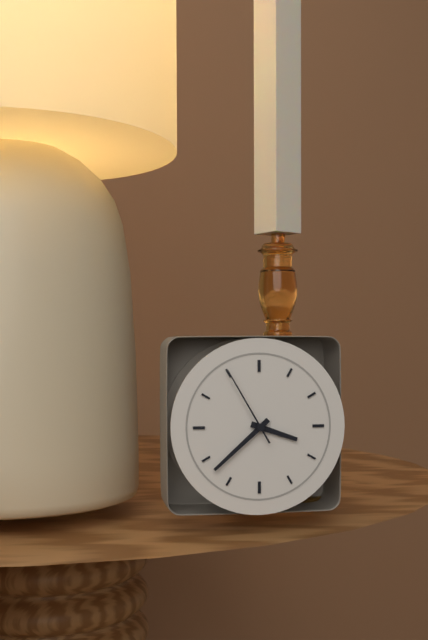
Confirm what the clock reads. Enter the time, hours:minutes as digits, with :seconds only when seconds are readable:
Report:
3:38:55
